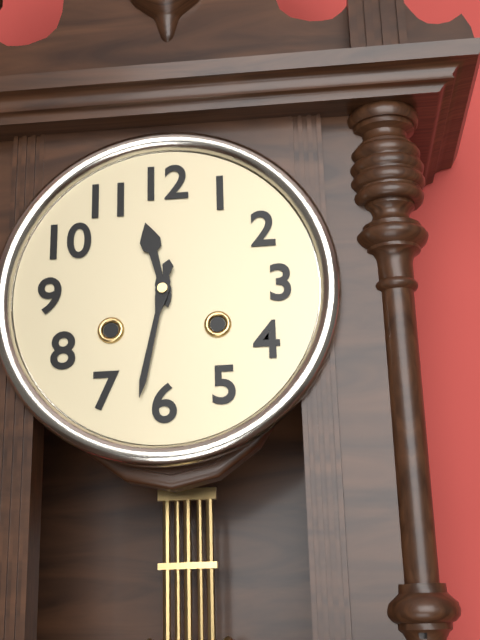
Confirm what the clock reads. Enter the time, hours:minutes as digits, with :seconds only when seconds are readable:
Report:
11:32
